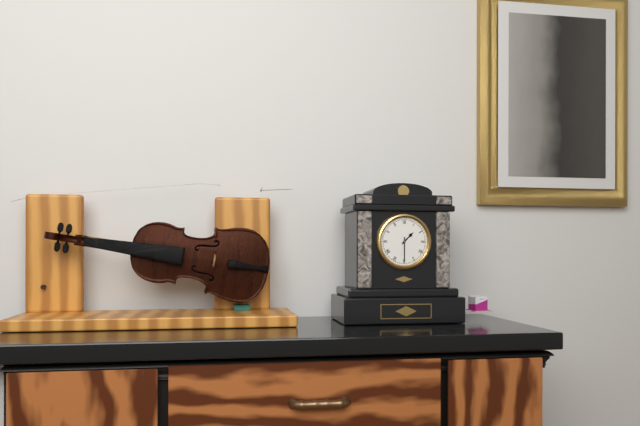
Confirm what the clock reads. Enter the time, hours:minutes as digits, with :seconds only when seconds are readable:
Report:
1:30
